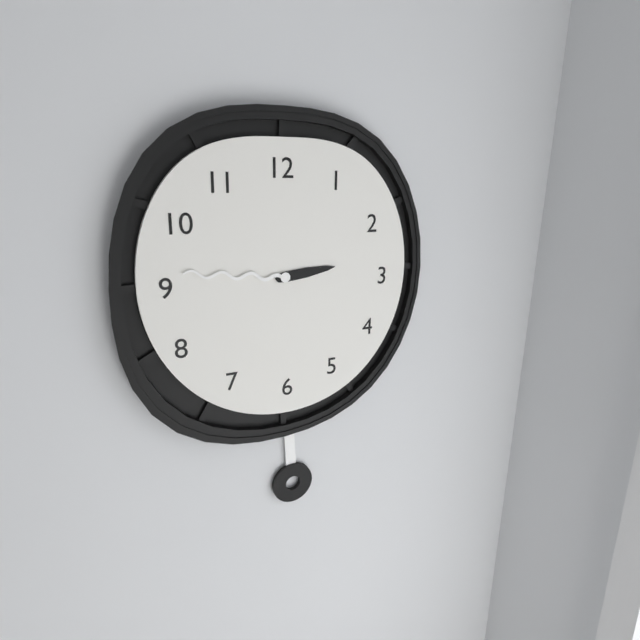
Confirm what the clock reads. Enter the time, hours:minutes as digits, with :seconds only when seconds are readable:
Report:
2:46
